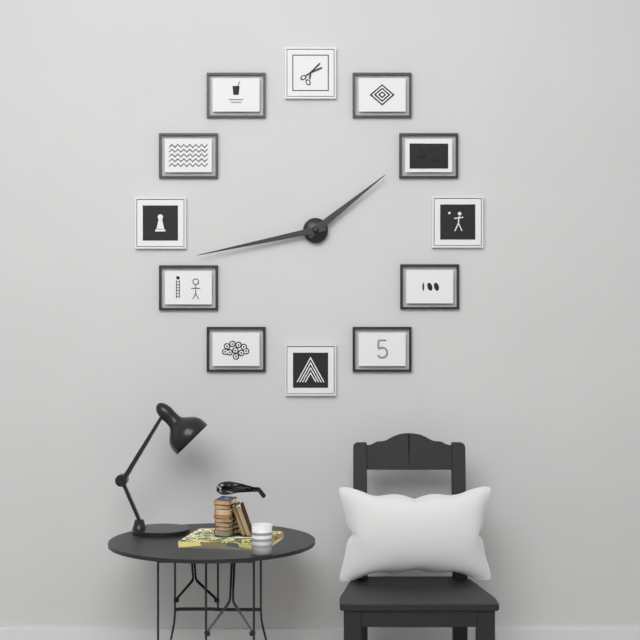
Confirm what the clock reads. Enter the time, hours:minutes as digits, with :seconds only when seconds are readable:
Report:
1:43
